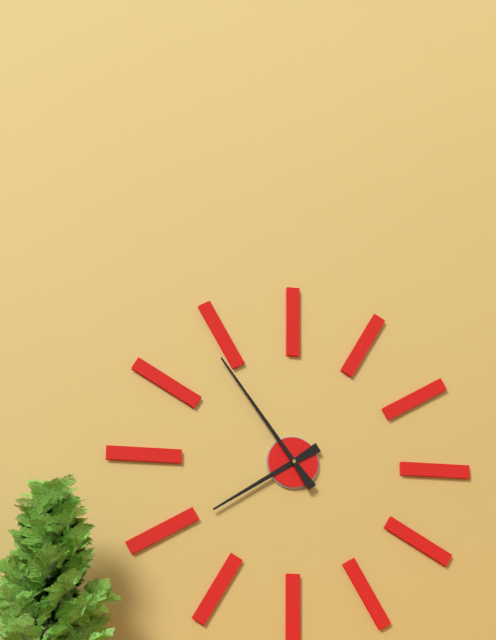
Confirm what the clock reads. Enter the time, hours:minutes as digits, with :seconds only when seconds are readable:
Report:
7:54
